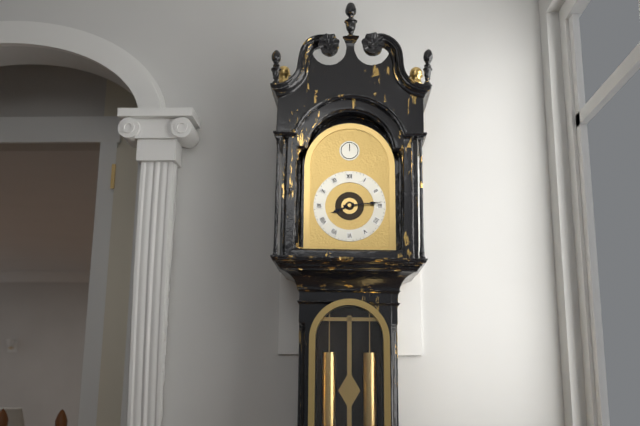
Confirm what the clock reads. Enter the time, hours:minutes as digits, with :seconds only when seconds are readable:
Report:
8:14
